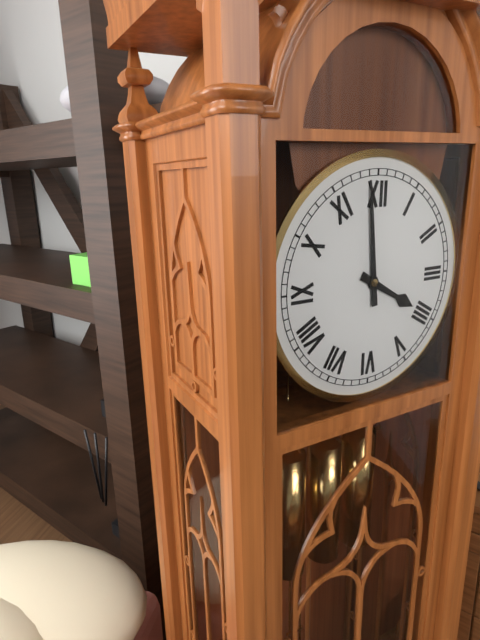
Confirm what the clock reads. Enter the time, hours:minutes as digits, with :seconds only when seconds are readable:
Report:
3:59
